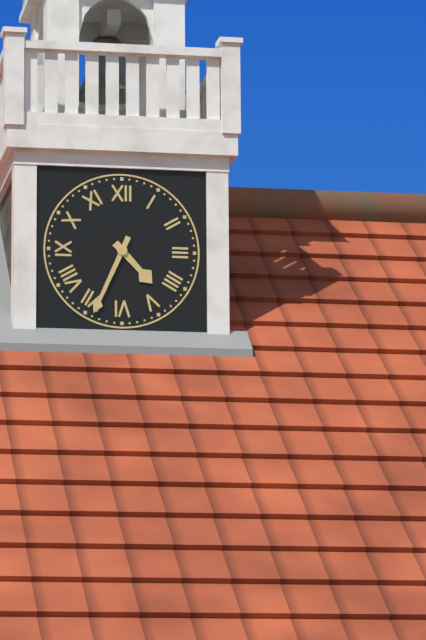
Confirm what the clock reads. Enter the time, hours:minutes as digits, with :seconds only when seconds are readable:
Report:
4:34
